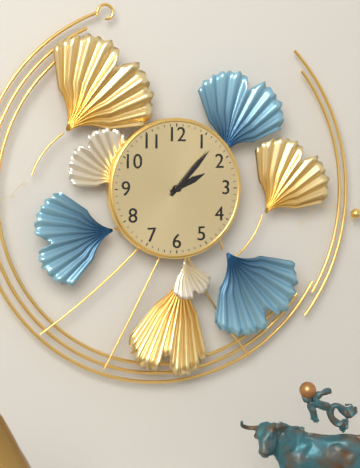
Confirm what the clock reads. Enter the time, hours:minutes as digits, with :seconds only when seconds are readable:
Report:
2:07
